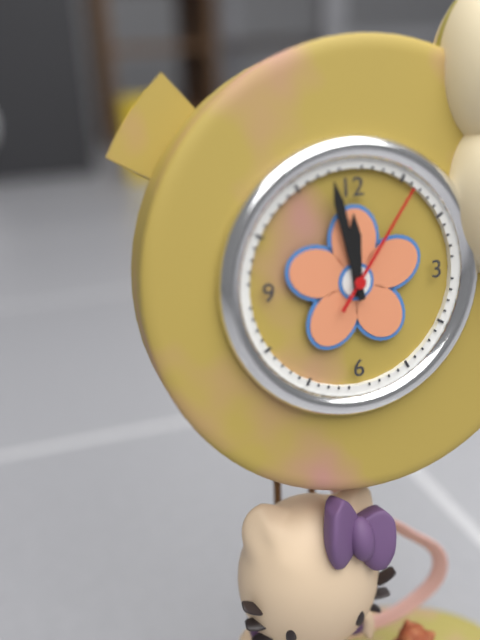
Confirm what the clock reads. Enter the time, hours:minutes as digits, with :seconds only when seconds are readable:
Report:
11:58:06
